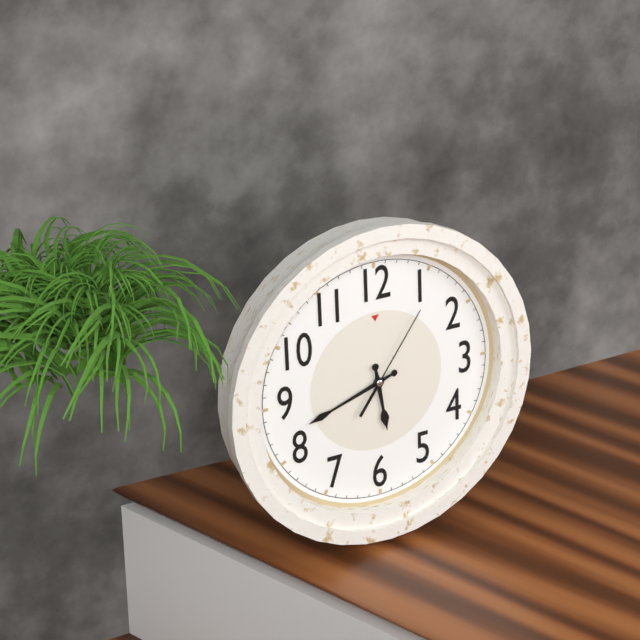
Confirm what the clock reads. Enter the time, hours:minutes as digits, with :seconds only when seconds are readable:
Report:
5:42:06
